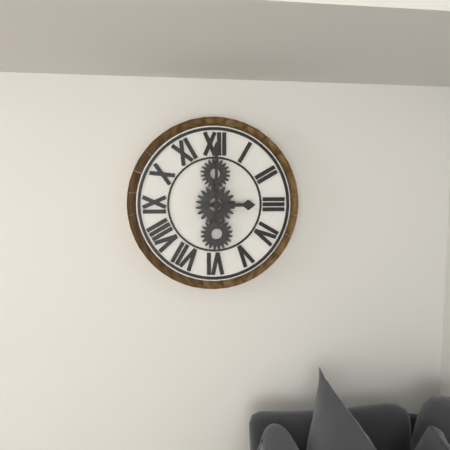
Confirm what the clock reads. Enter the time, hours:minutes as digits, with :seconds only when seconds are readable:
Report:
3:00
